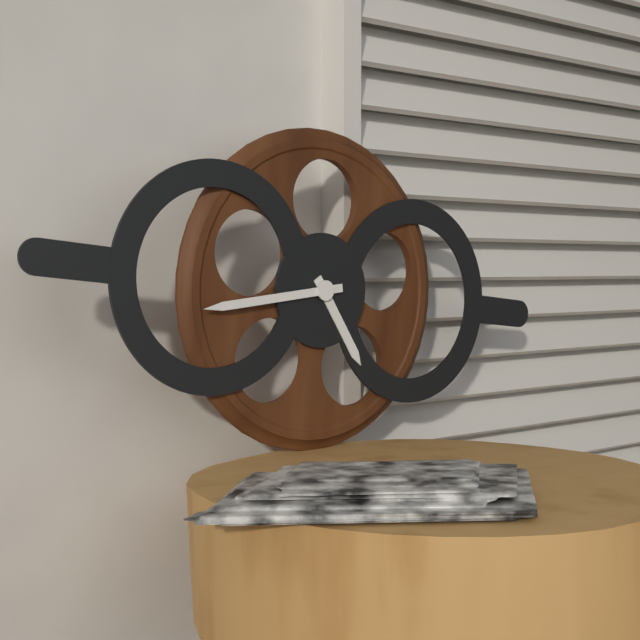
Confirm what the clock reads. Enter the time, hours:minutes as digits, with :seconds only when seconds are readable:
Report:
4:43
